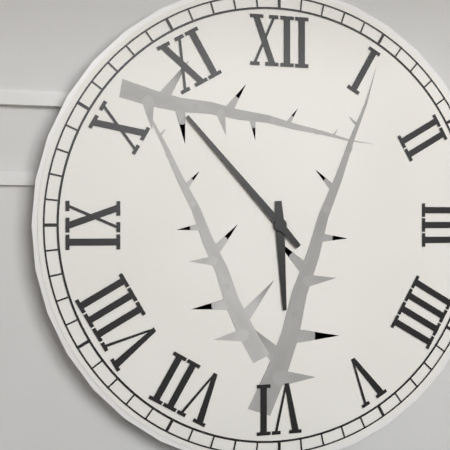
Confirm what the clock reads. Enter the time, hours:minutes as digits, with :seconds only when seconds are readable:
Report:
5:53
